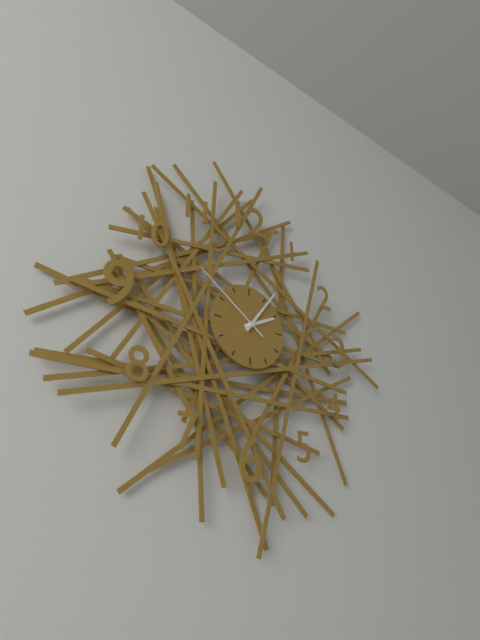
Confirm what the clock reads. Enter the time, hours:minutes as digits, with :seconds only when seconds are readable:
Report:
2:06:51
